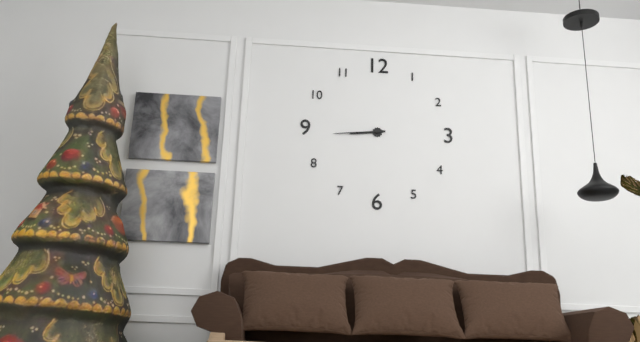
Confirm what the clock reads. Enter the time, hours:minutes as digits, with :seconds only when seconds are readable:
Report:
8:44
